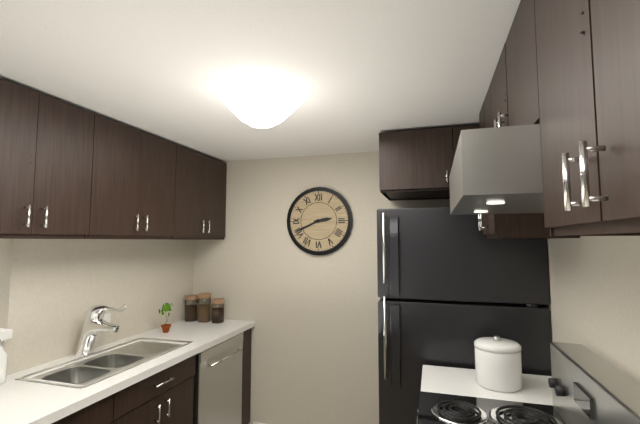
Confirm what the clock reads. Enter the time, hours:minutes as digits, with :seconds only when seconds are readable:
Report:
2:41
